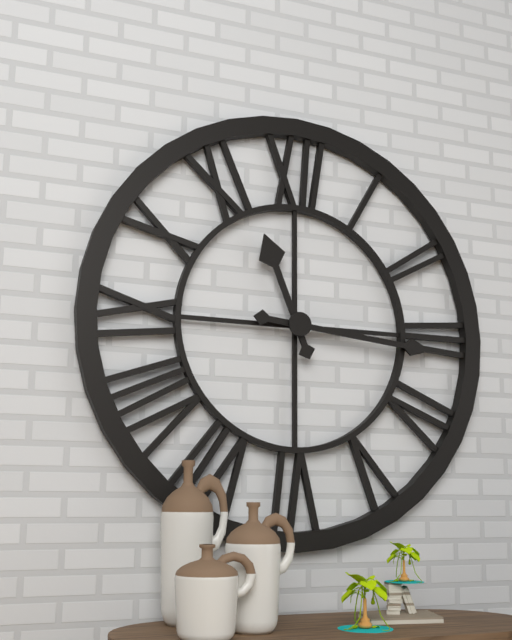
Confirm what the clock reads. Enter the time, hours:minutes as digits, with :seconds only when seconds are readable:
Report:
11:16
